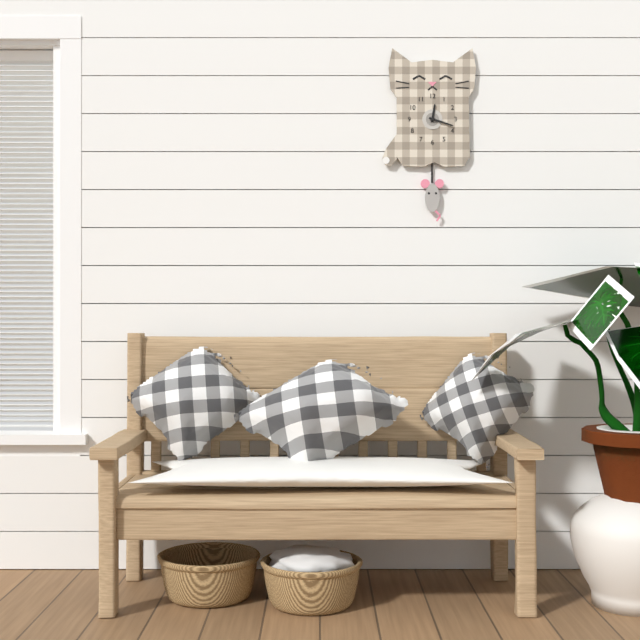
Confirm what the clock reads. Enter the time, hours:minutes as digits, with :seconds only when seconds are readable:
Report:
12:18
